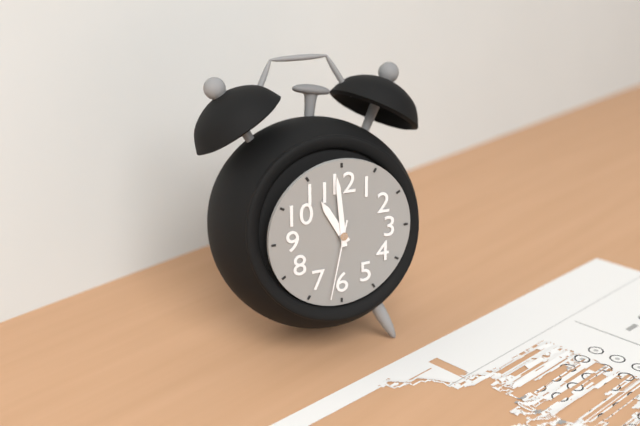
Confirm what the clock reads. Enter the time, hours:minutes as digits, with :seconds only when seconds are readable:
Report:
10:59:32
